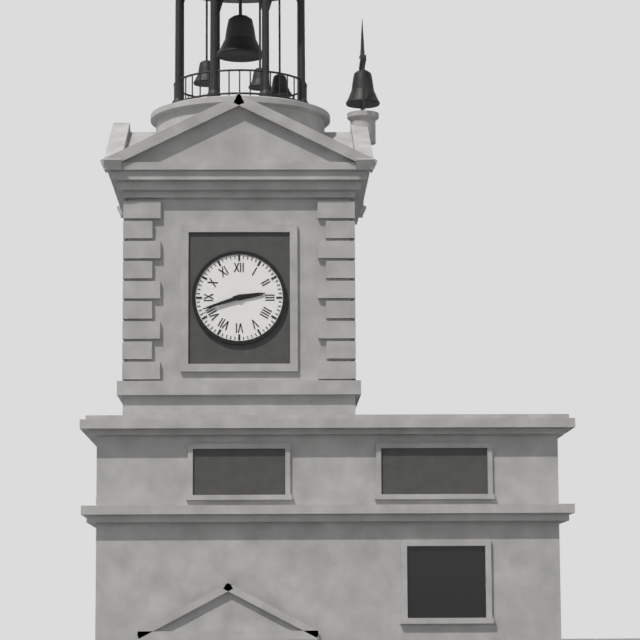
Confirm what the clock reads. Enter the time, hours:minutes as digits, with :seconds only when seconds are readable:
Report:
2:42
